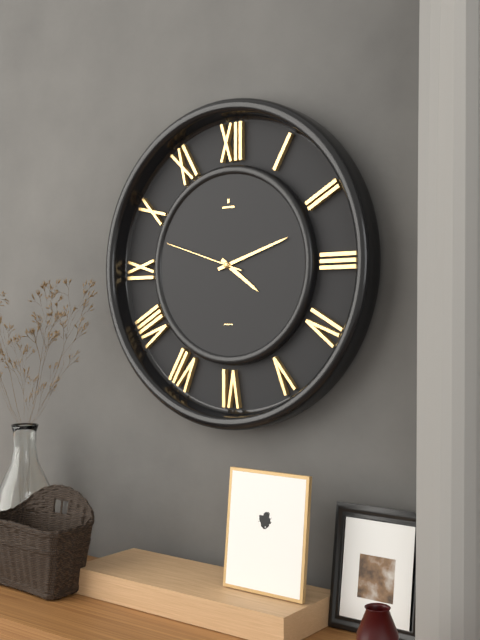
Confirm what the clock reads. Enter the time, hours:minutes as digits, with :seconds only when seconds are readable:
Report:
4:12:48
